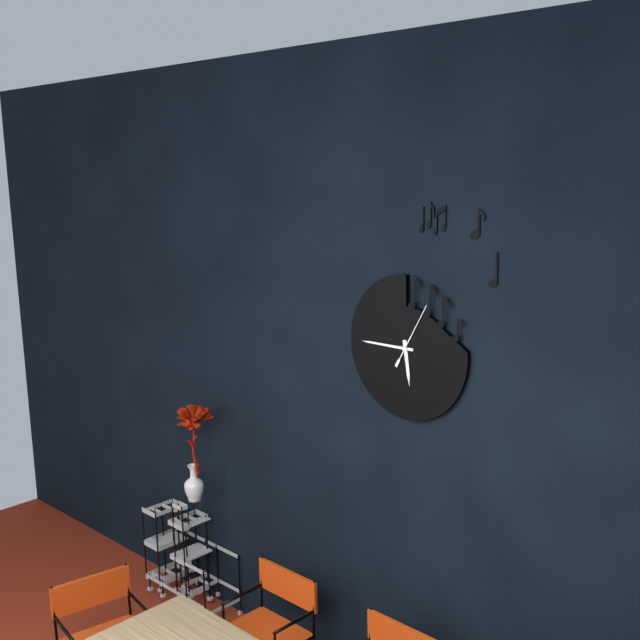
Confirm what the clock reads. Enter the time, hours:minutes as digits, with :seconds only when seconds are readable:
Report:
5:45:05
